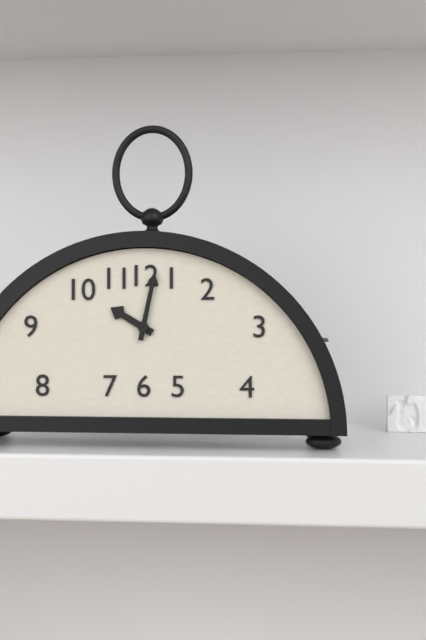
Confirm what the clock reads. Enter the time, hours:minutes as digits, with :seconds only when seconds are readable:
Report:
10:02
